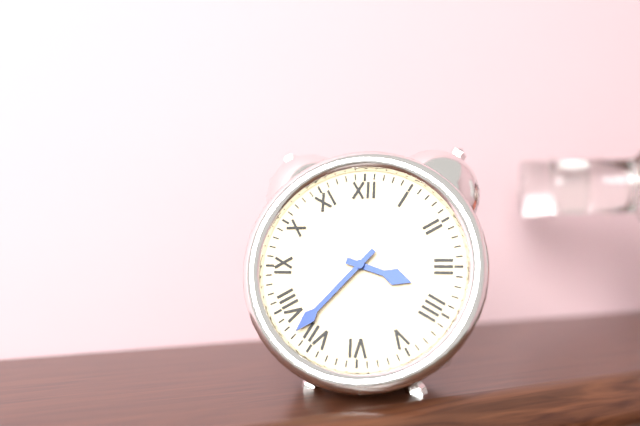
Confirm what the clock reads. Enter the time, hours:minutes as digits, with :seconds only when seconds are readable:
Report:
3:37
